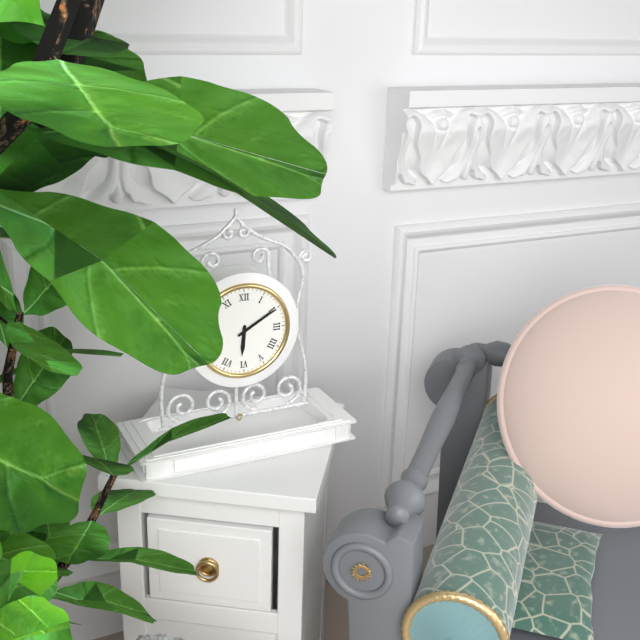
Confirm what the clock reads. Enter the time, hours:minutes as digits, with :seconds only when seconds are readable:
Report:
6:10
